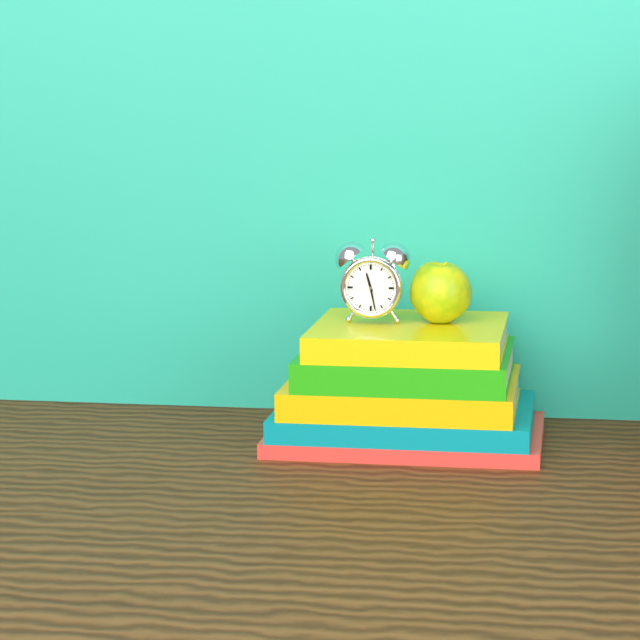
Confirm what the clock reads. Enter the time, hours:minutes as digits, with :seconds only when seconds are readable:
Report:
11:28
